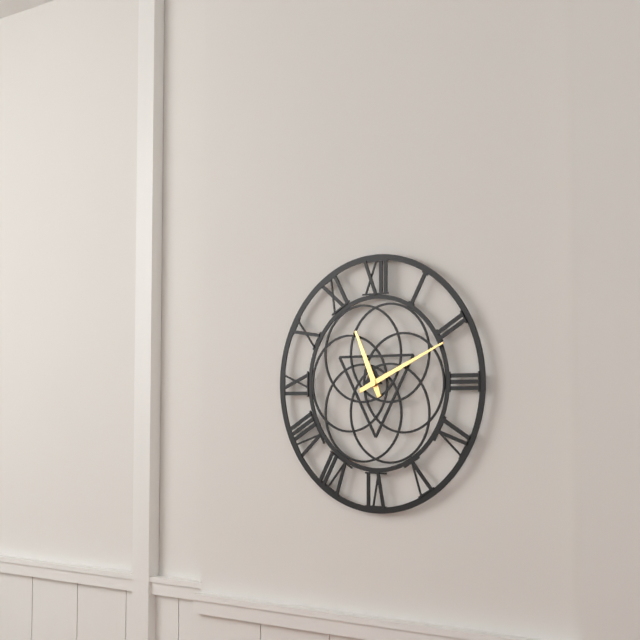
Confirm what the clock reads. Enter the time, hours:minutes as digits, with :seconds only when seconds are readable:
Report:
11:11
